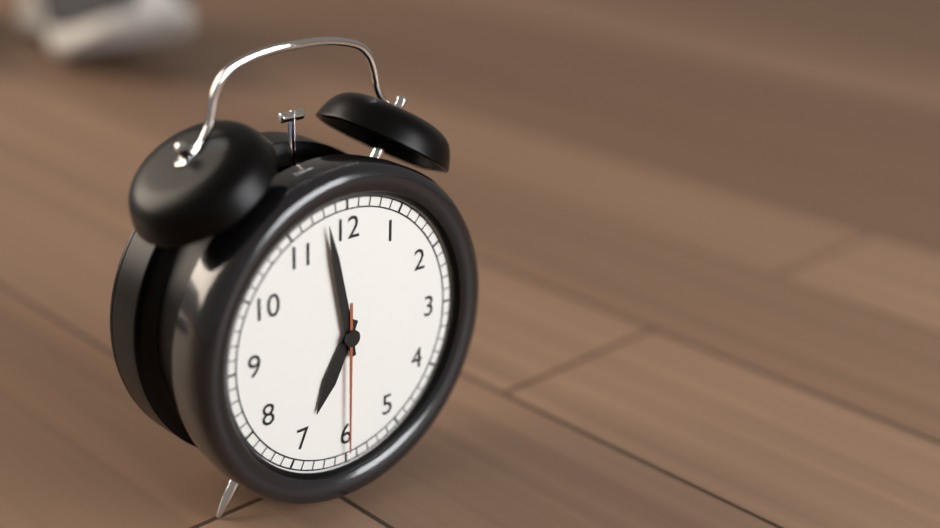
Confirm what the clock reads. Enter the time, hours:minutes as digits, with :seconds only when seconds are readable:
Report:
6:58:30
